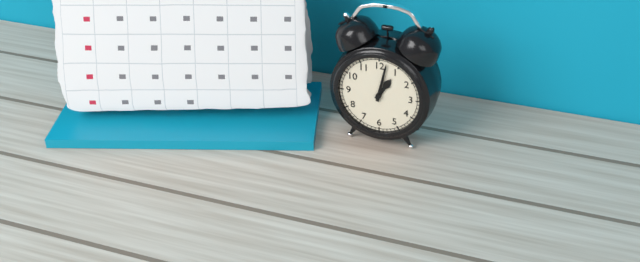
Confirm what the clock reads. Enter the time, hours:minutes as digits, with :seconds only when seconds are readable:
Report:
1:02
